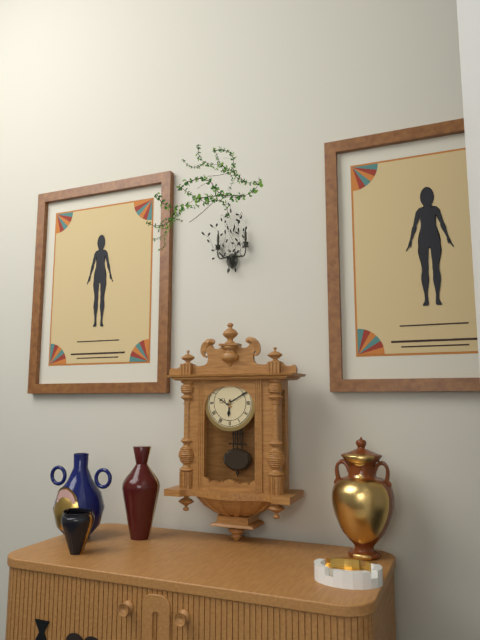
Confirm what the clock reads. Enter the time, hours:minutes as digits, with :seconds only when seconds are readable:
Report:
6:10
